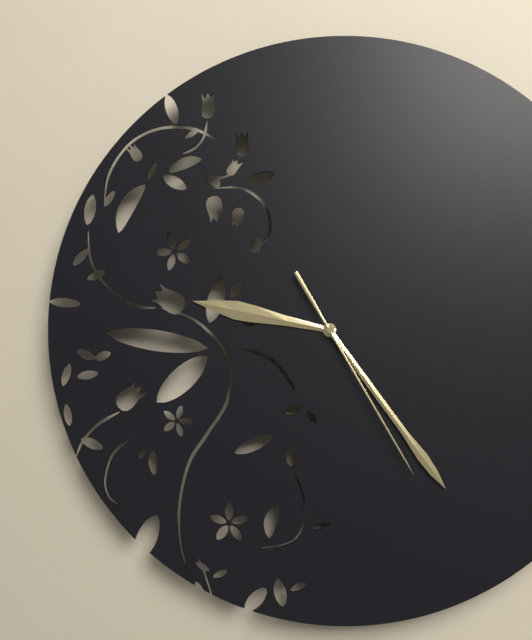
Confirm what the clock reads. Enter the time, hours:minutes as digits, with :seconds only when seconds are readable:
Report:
9:24:25
